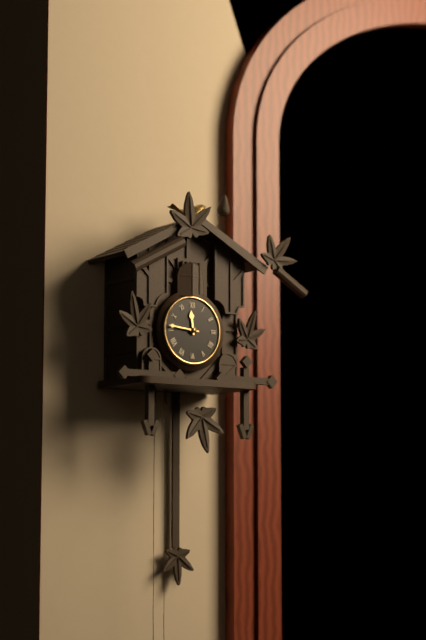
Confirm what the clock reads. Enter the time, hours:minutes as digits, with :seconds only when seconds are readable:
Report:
11:46
